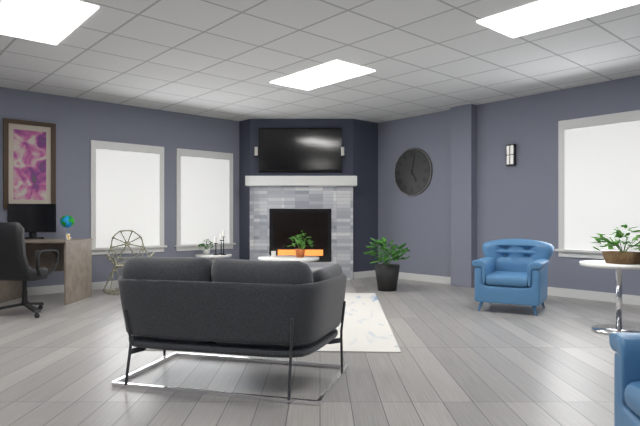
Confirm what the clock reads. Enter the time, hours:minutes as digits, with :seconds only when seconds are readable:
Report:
5:02
